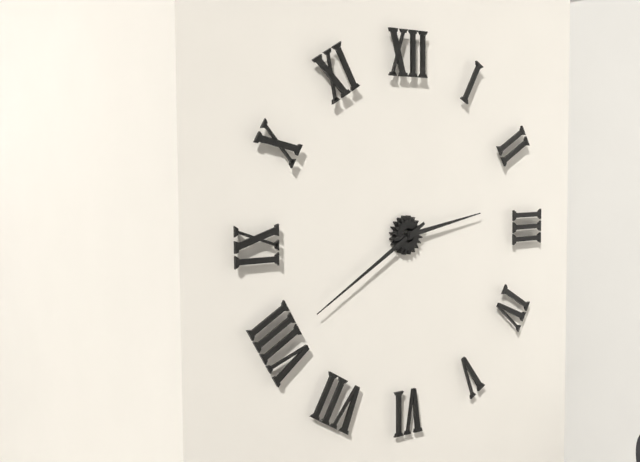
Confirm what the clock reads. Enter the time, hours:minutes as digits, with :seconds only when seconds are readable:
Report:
2:40
